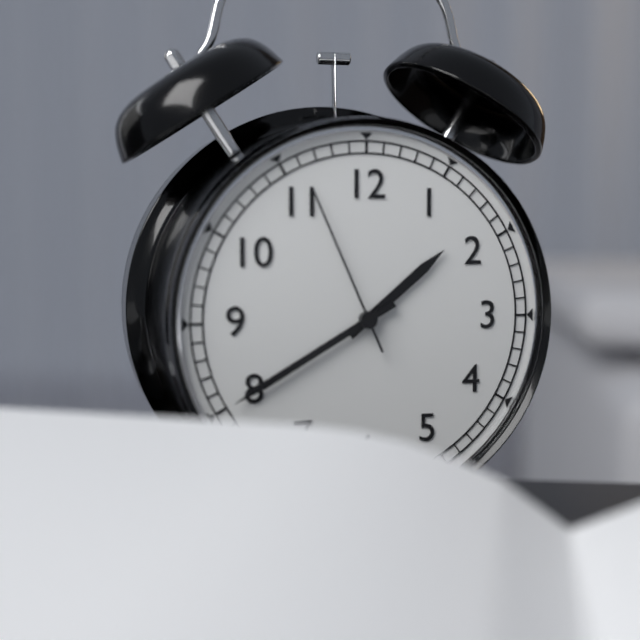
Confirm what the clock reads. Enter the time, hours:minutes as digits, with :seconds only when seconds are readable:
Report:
1:40:56
